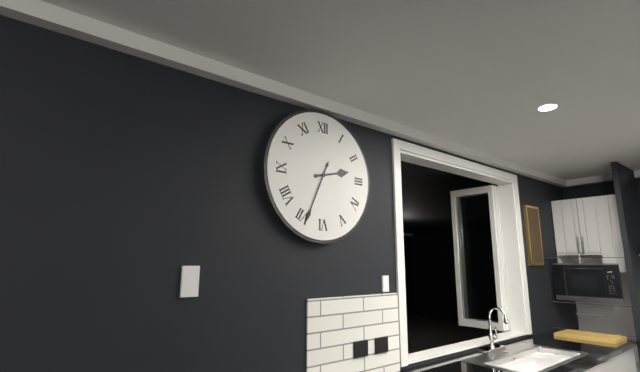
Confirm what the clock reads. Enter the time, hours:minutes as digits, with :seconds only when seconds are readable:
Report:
2:34
